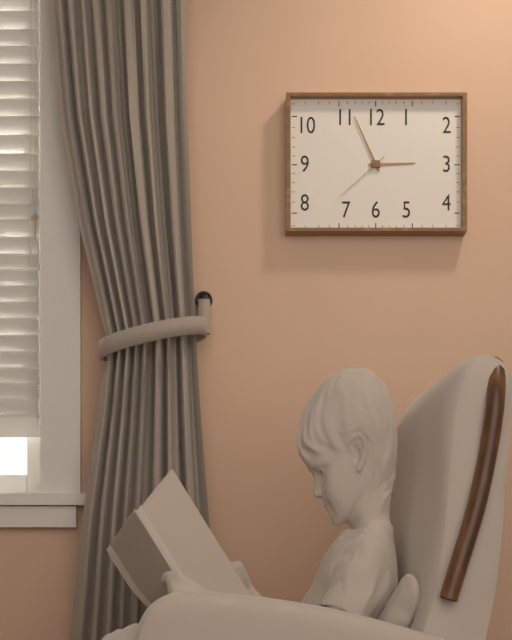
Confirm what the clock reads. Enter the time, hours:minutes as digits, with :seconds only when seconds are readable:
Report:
2:56:38
